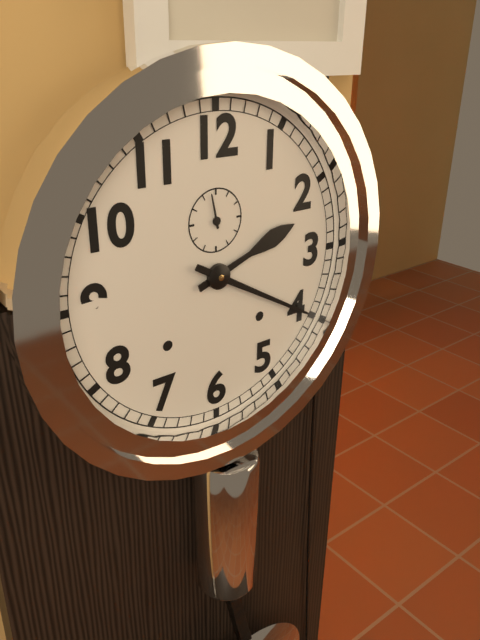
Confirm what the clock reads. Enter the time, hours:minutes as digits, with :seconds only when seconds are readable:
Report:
2:20
